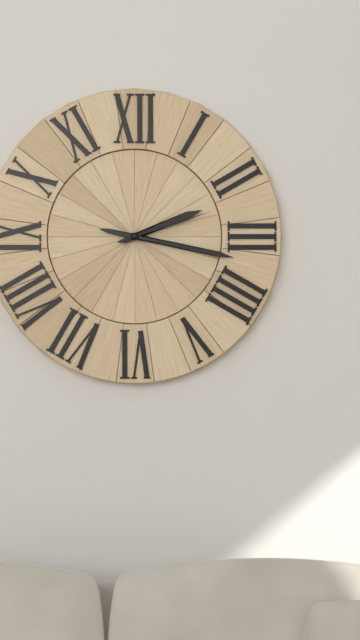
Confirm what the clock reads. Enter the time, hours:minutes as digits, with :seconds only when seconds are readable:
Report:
2:17:12
